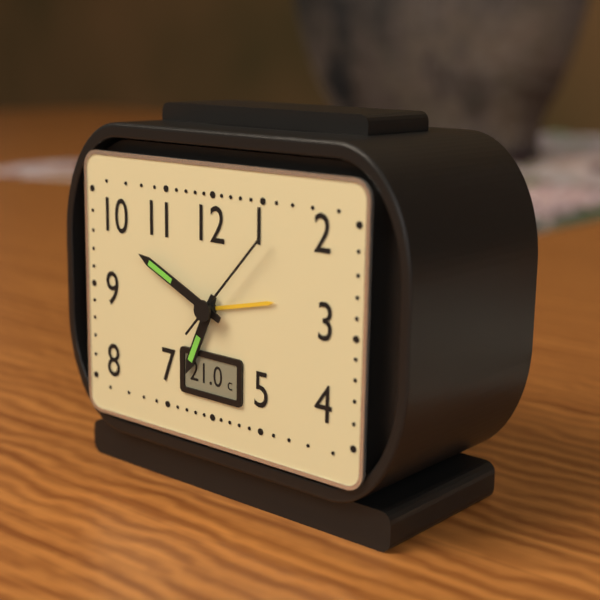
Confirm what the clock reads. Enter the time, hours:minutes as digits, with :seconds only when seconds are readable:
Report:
6:49:07
